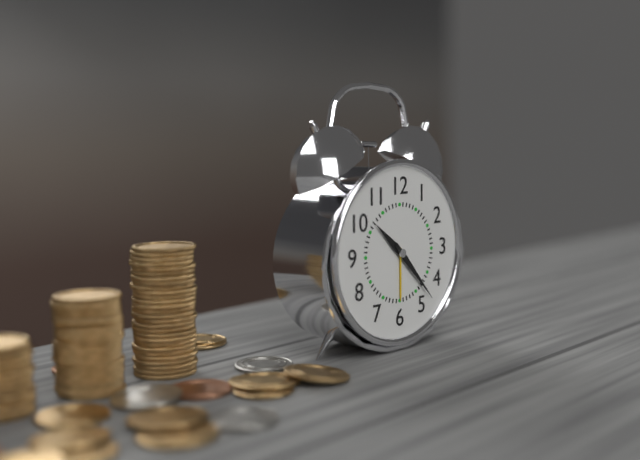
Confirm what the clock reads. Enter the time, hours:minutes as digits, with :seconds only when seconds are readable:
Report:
10:23
